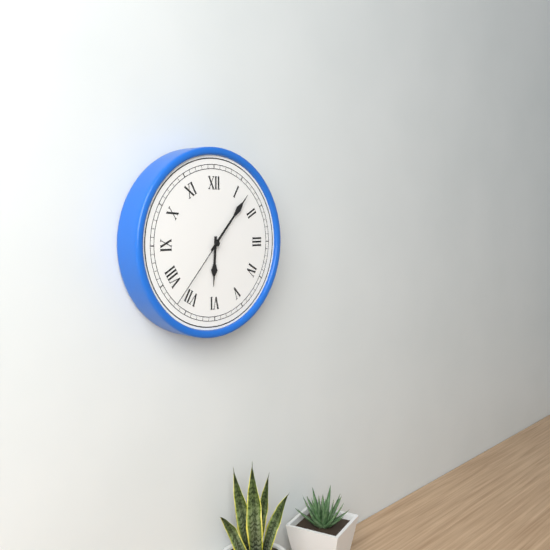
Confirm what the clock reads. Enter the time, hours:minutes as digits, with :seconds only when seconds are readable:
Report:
6:07:37
